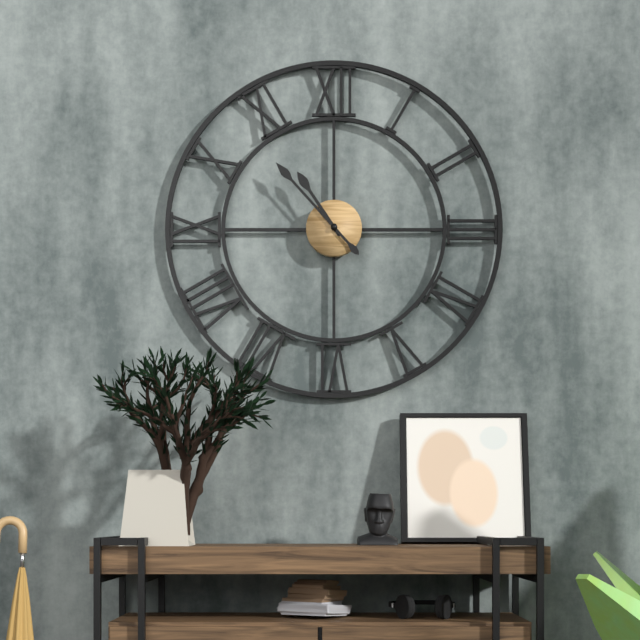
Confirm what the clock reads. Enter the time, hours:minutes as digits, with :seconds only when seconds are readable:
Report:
10:53
